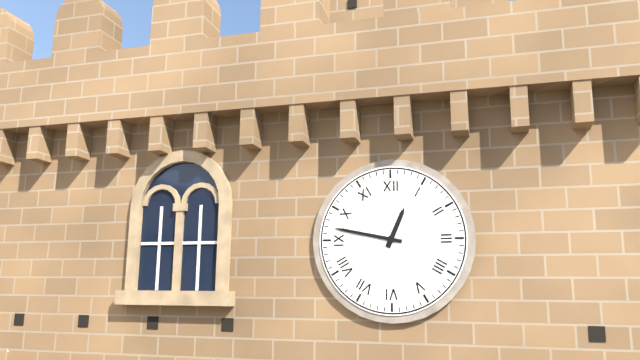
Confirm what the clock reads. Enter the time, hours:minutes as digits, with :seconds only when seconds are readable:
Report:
12:47
